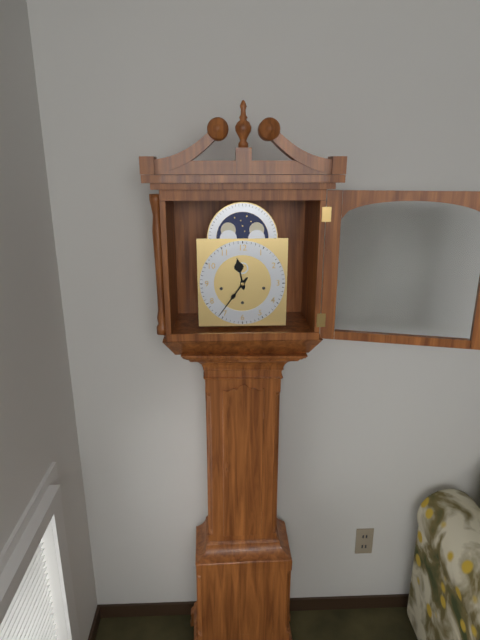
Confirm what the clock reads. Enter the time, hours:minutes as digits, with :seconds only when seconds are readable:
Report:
11:36
